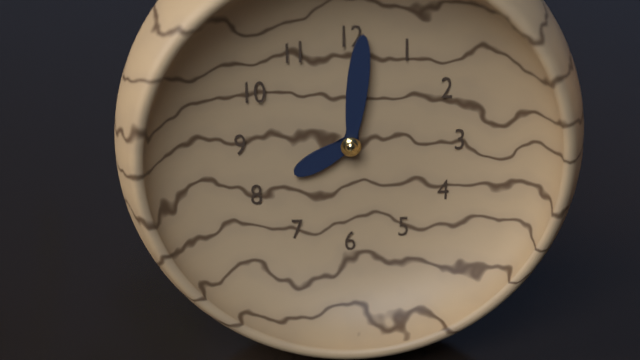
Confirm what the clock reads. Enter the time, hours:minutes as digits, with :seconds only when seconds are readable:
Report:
8:01
